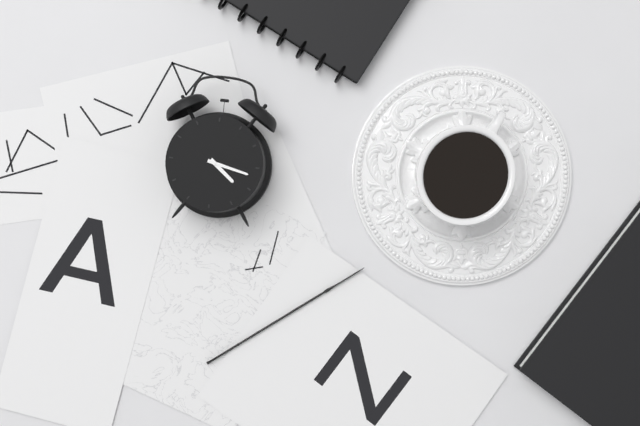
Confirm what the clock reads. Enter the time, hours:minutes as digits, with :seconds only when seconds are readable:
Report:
4:17
